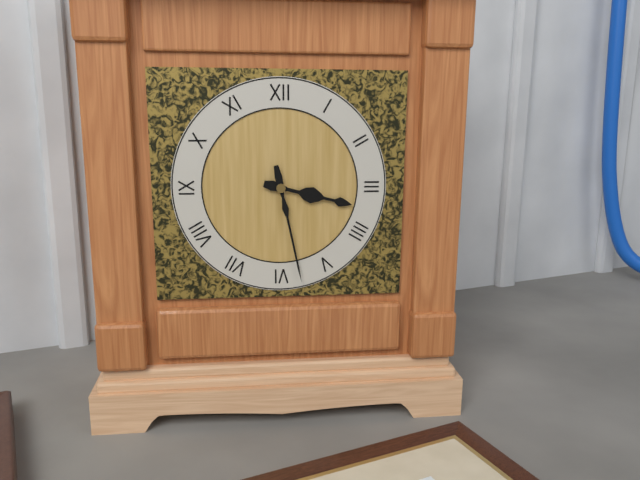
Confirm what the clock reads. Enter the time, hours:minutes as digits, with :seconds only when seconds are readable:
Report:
3:28
